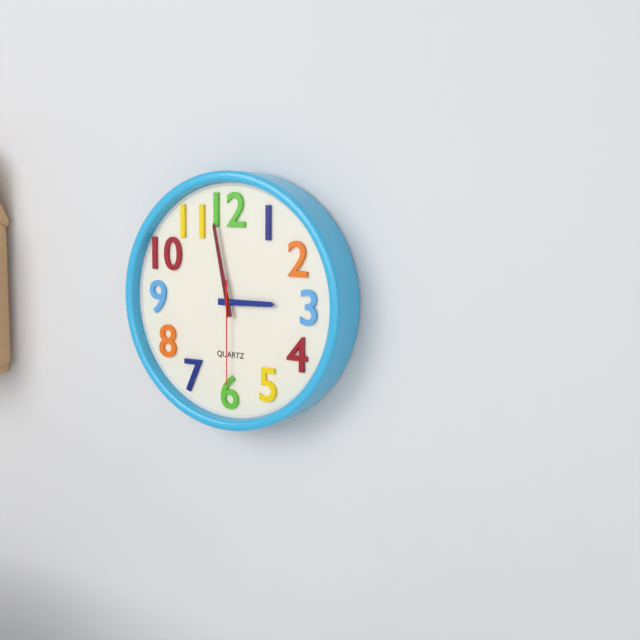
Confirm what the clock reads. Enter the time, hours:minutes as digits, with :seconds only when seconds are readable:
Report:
2:58:30
